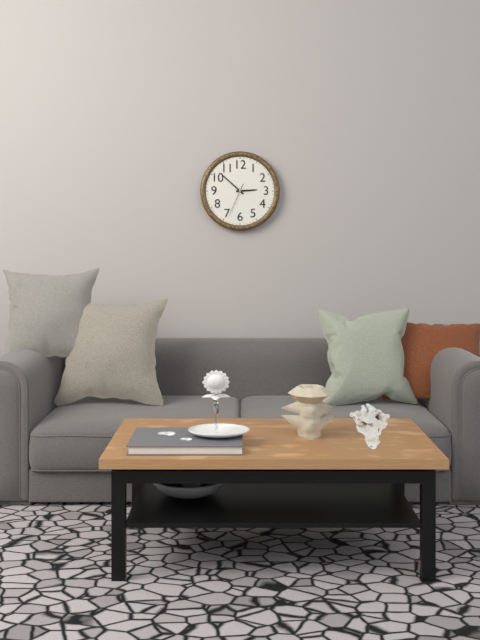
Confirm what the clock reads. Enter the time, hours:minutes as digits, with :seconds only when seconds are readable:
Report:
2:52
